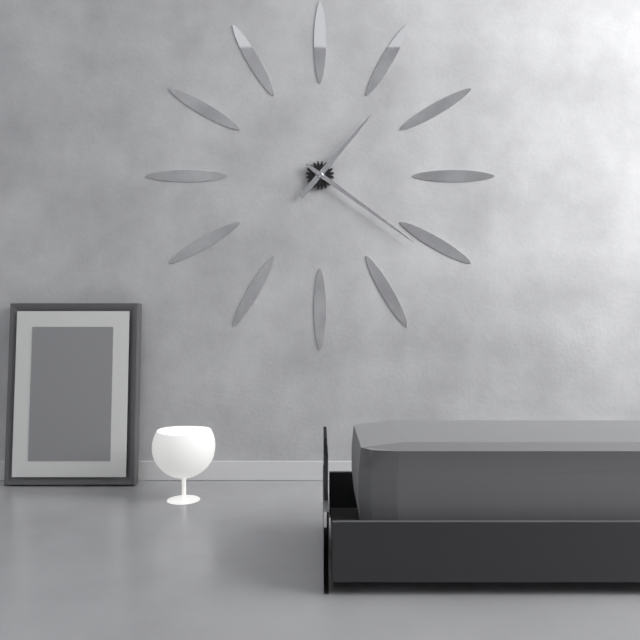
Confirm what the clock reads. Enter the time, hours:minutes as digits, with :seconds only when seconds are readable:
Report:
1:21
